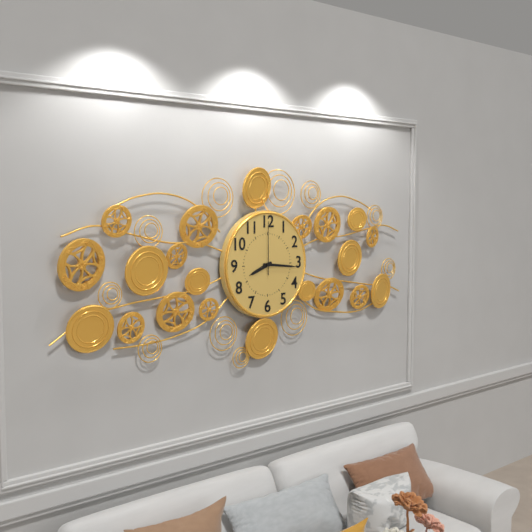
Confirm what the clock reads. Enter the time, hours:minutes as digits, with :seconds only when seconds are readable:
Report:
8:16:00
